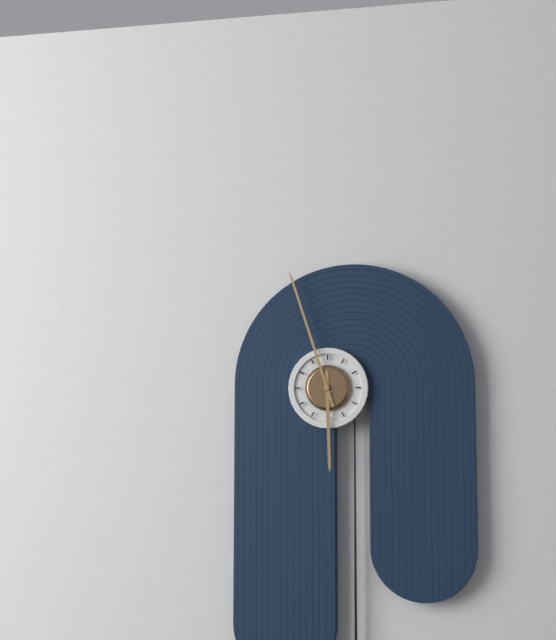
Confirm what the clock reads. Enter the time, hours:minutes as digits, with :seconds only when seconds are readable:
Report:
5:57
